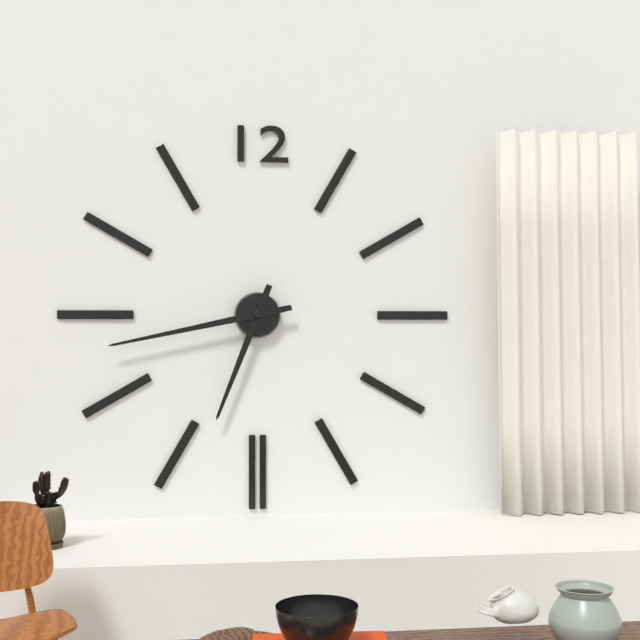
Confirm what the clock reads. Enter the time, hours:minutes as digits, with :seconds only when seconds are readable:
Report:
6:43
